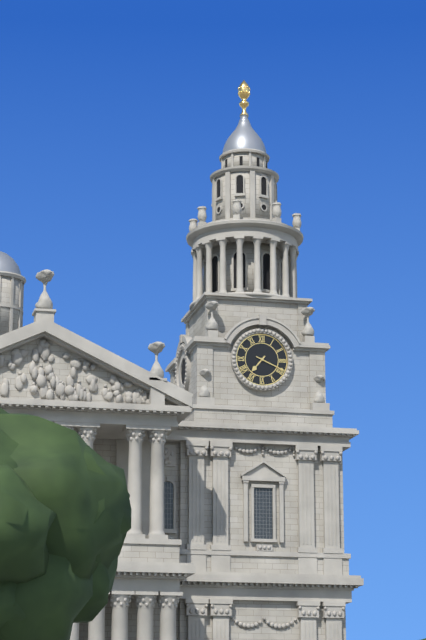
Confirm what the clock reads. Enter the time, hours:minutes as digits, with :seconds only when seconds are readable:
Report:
7:19
